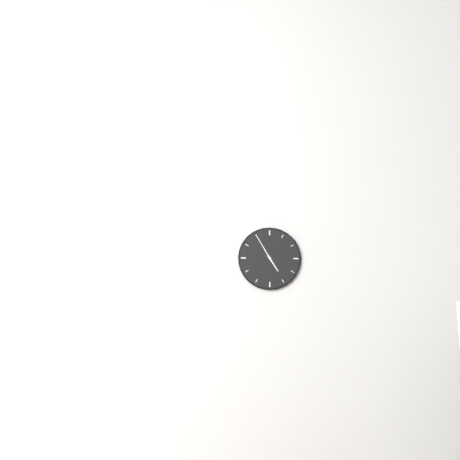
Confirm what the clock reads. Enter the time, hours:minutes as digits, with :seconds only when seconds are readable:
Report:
4:55
